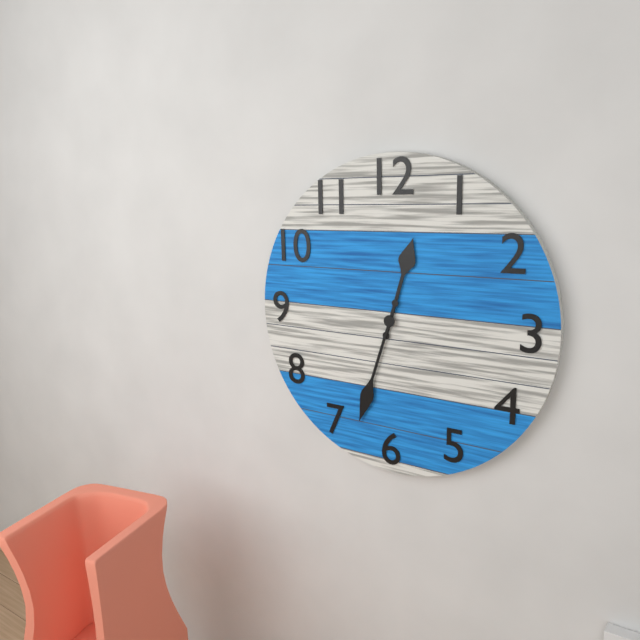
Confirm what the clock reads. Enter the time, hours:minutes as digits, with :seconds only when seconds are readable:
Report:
12:33
